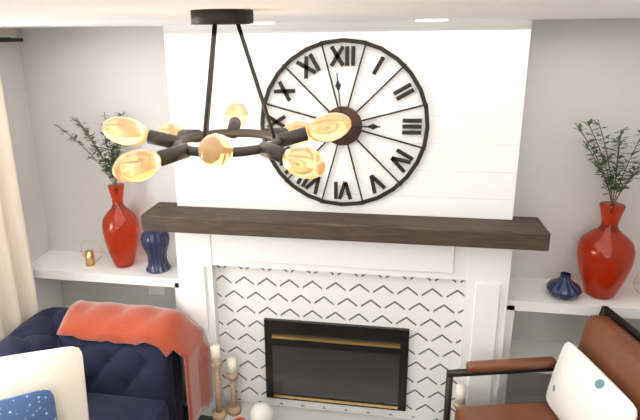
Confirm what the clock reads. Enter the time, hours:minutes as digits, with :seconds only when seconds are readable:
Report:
2:59
